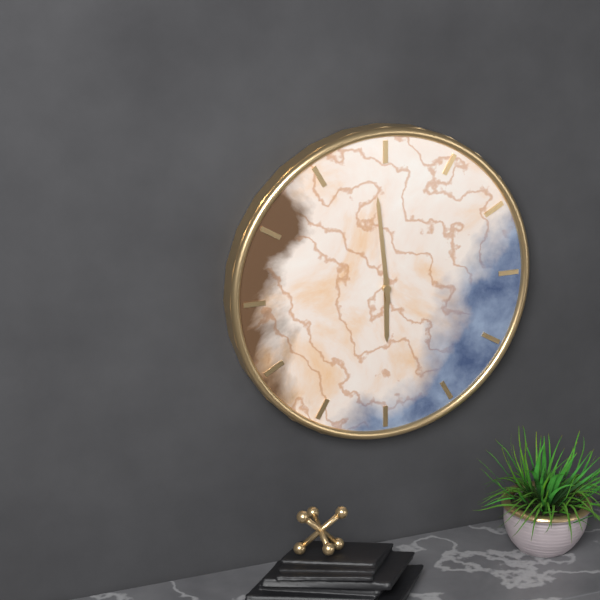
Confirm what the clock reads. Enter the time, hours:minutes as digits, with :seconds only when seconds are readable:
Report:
5:59
